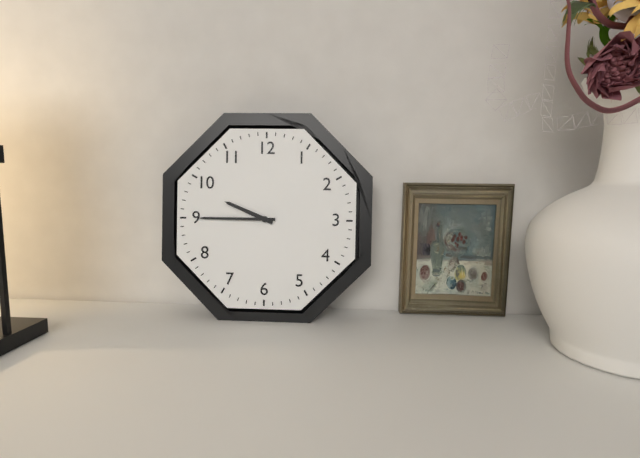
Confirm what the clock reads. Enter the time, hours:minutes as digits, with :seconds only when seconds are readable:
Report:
9:45
